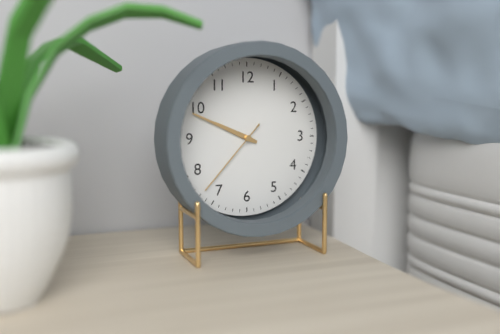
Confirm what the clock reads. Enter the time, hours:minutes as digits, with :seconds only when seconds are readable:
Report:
9:49:37
